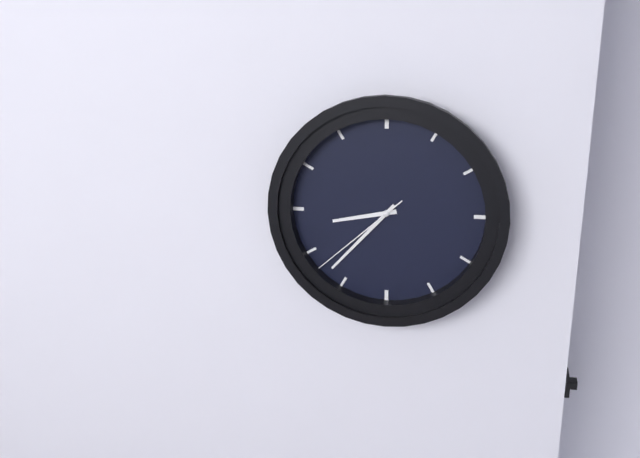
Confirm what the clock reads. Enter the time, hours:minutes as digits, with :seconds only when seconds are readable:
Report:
8:37:38
